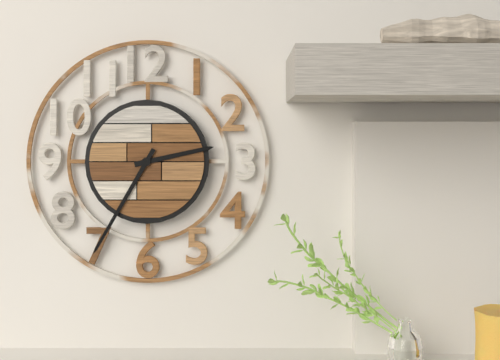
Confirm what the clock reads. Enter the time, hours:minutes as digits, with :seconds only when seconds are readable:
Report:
2:35
